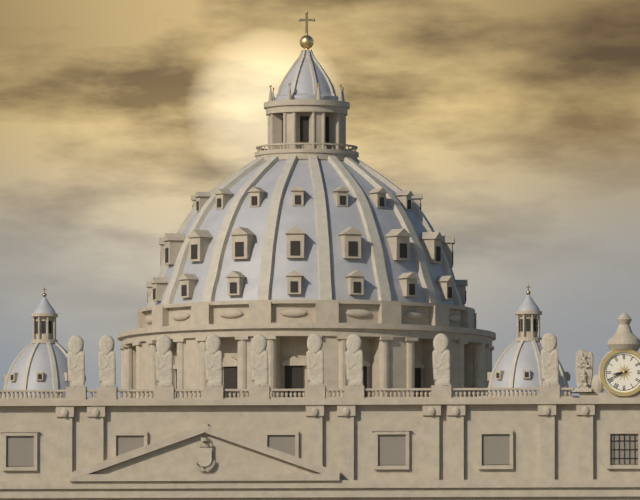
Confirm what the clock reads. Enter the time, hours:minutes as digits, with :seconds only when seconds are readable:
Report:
8:41
